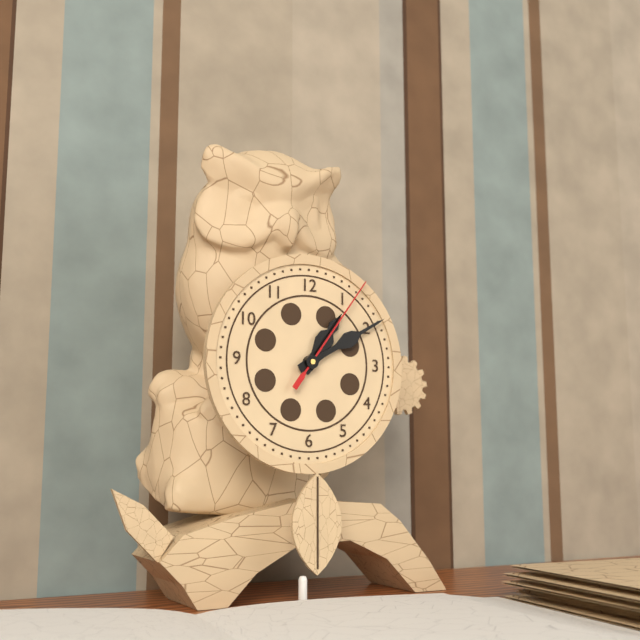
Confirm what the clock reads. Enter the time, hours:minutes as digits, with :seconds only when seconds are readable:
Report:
1:10:06
